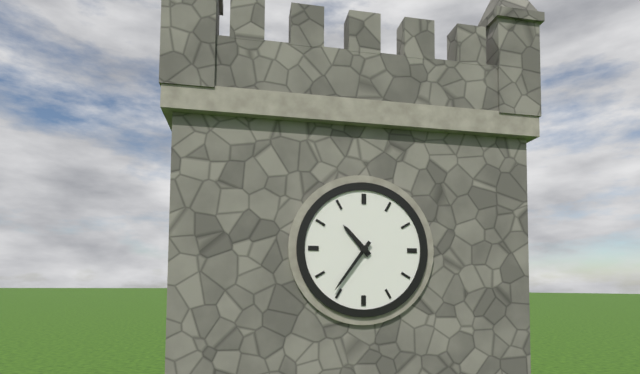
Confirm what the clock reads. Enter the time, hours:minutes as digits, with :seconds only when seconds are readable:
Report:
10:36
